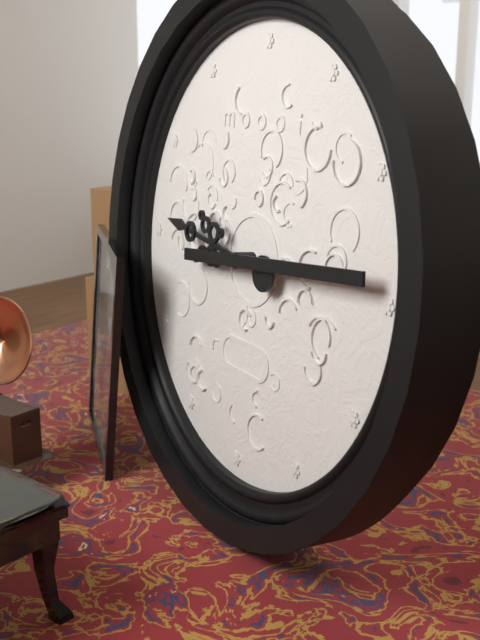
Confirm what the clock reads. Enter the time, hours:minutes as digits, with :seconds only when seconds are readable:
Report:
9:14
